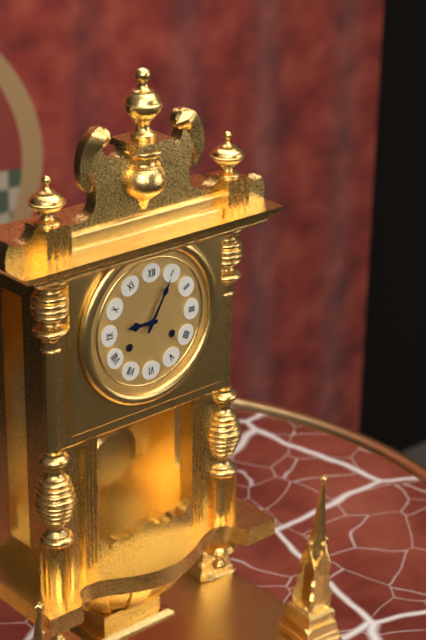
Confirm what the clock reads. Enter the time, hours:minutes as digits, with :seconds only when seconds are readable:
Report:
9:05
